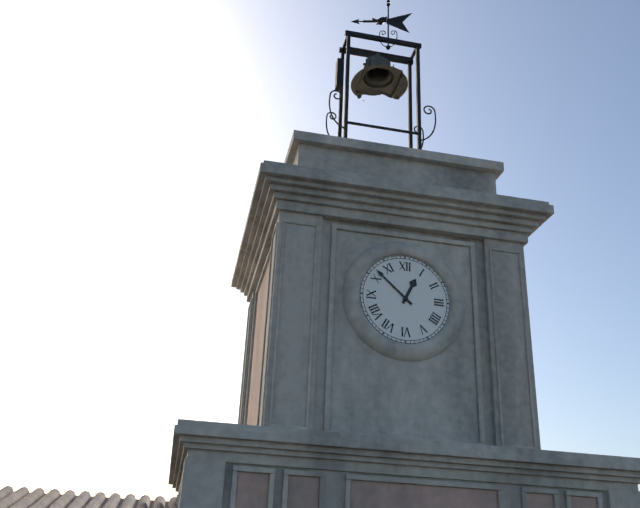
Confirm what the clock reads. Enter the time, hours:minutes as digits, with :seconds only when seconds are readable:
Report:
12:52
